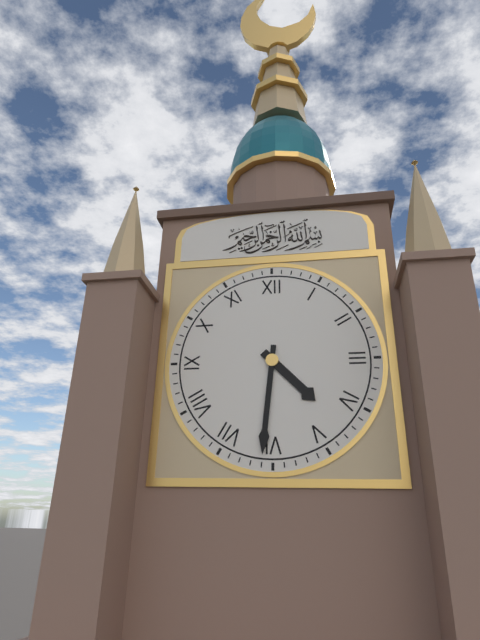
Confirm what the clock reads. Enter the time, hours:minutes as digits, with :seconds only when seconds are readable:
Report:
4:31
